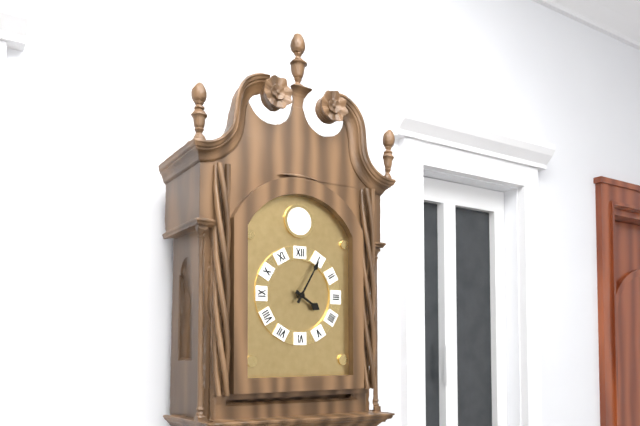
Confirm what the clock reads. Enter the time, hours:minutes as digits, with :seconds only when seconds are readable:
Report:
4:05
